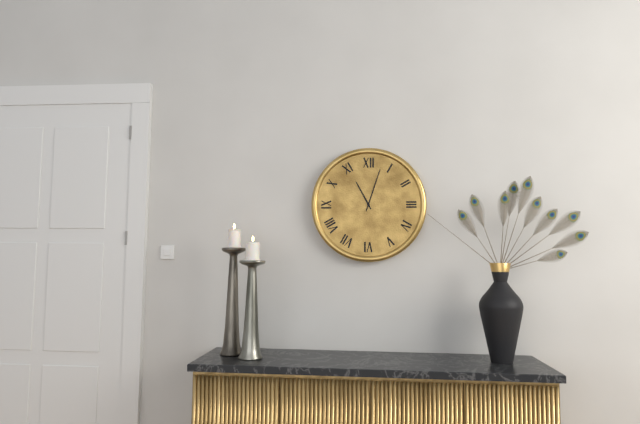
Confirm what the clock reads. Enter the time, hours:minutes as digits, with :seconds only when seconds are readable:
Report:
11:03
